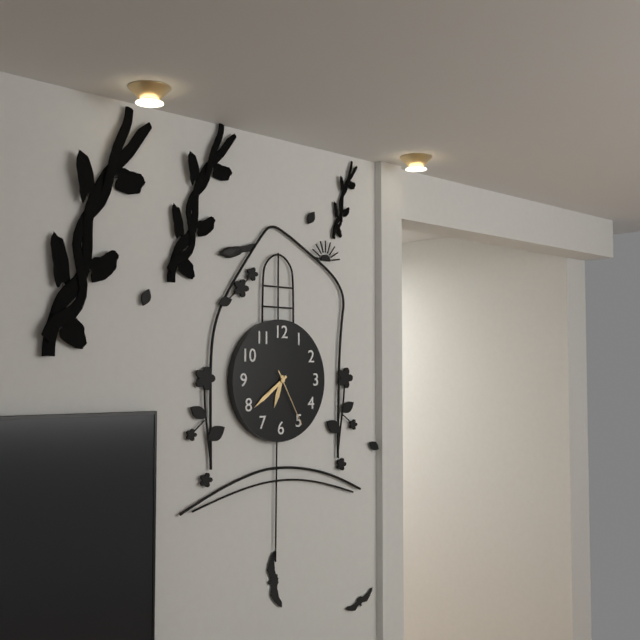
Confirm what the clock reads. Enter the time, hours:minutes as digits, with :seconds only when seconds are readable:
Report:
6:39:25
